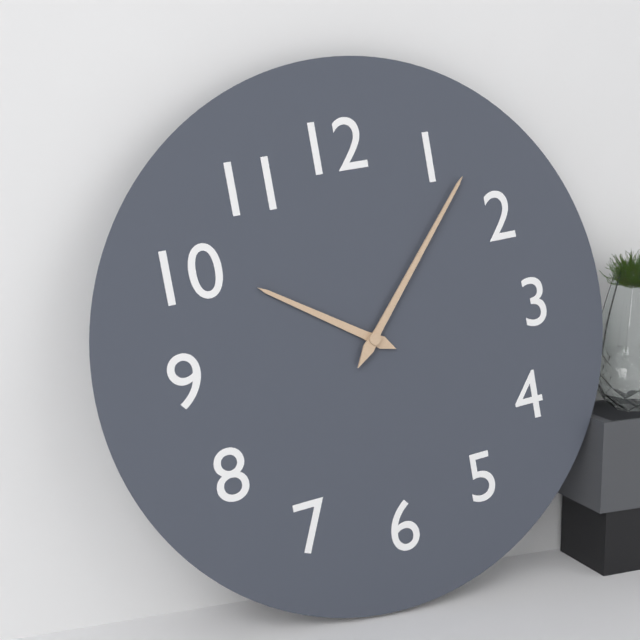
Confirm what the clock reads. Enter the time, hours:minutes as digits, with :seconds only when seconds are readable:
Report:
10:07
